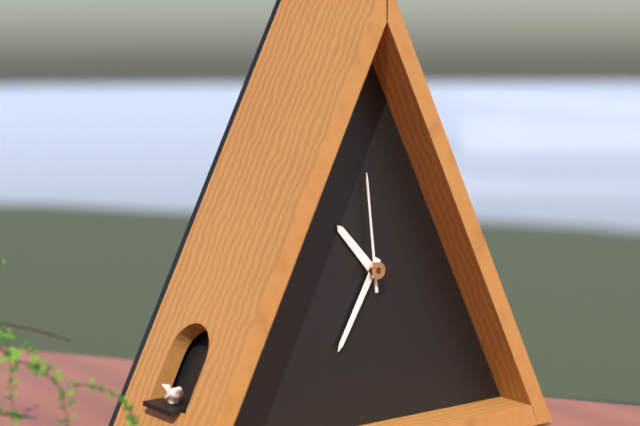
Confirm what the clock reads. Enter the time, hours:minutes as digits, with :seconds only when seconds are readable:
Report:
10:35:59
